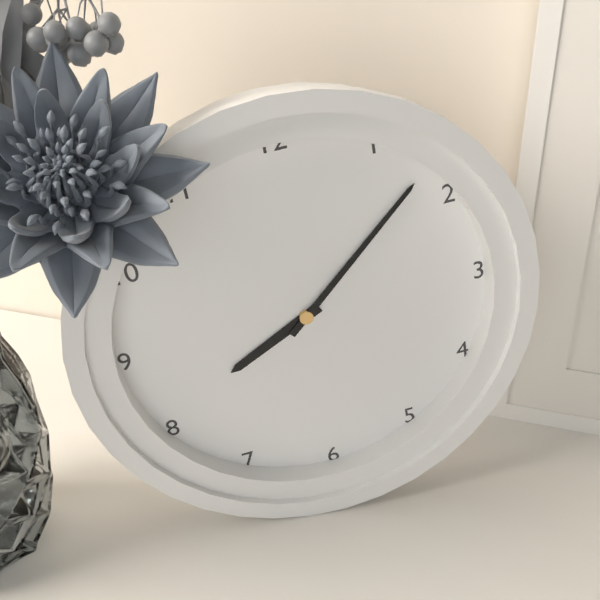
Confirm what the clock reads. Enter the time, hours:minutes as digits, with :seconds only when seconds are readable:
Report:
8:08
